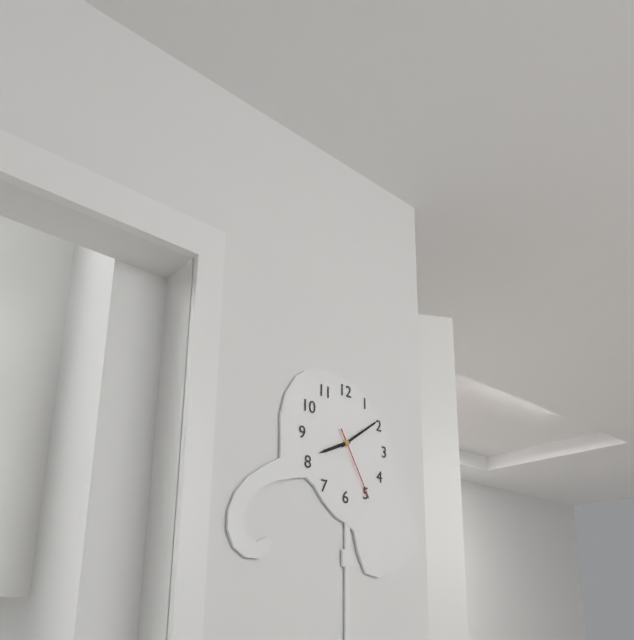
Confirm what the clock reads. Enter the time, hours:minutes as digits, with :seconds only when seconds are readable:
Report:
8:09:25
